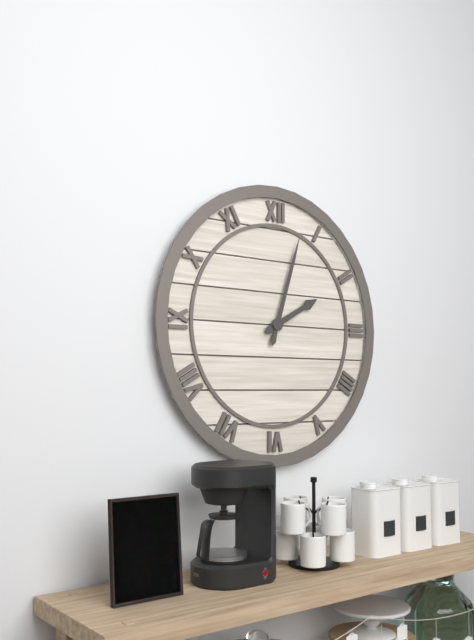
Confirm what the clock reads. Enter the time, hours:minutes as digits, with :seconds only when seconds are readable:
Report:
2:03
